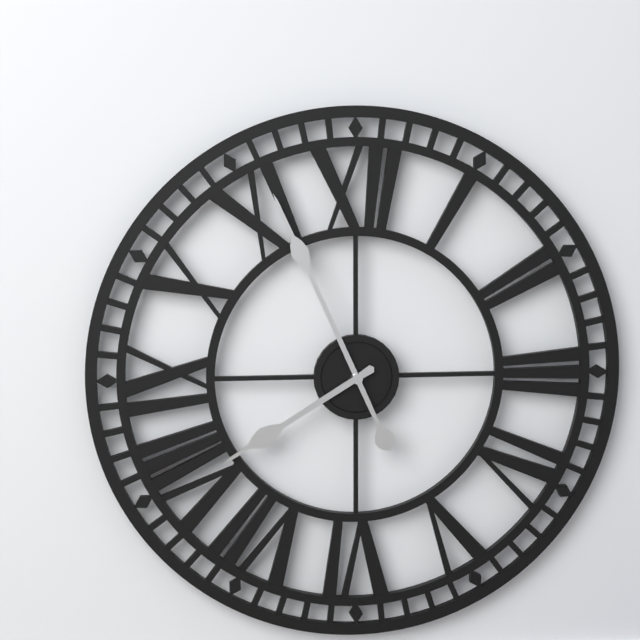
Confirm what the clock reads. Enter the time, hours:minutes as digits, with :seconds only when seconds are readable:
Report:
7:56
